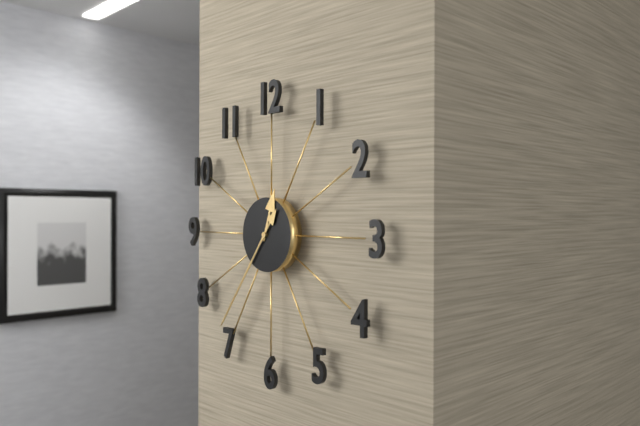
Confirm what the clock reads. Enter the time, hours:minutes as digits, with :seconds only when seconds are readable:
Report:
12:36
